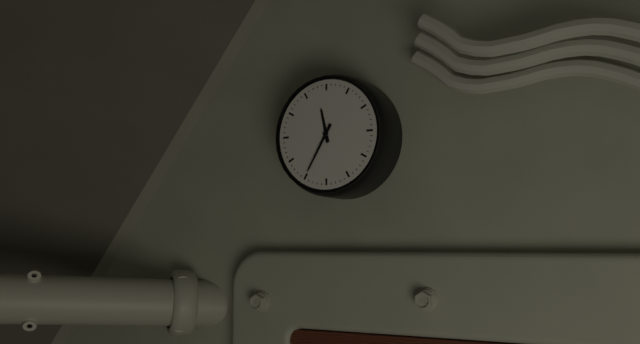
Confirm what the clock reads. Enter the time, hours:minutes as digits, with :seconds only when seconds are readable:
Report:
11:35
